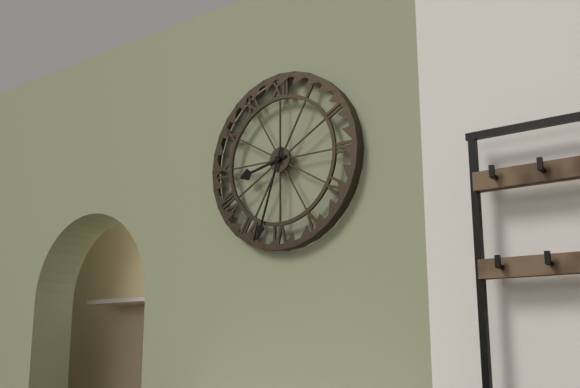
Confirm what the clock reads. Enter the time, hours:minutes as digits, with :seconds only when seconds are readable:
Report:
8:33
